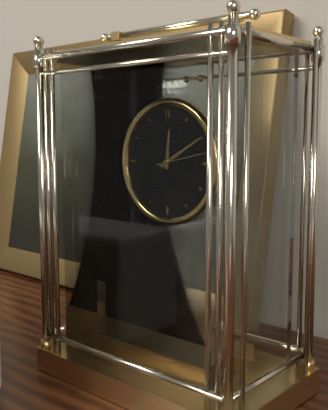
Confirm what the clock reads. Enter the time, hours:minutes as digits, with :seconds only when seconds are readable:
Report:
12:10:13
